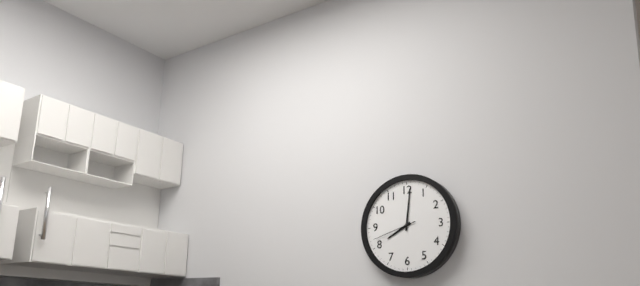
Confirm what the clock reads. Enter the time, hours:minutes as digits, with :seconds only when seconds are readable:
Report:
8:01
